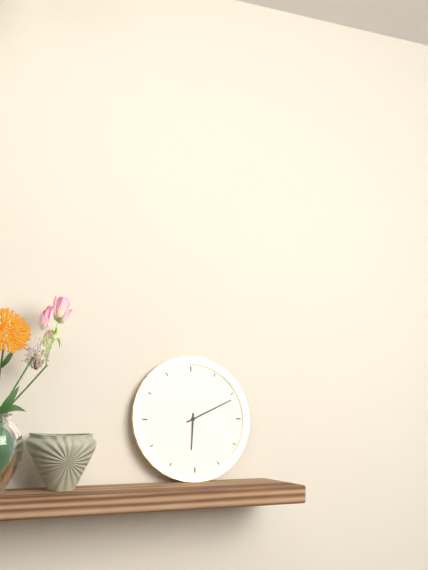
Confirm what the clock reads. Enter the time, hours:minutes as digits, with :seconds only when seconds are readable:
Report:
6:11
